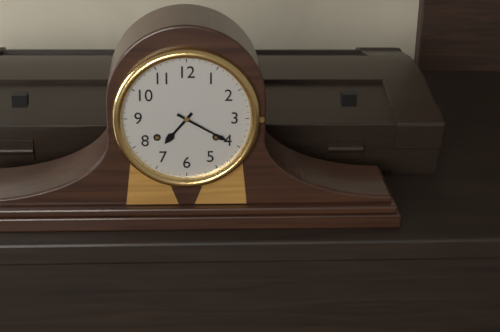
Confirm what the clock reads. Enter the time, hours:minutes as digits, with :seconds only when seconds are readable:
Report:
7:20
